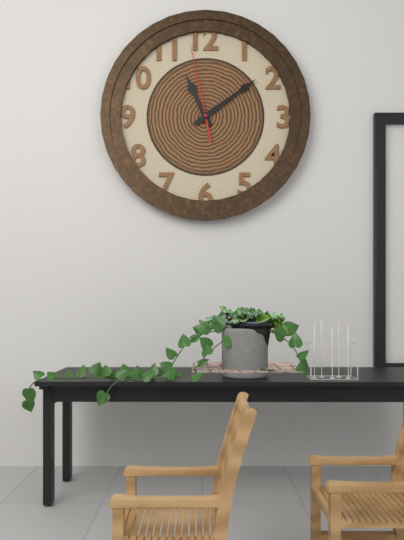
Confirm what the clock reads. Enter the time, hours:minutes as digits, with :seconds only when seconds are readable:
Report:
11:09:58
